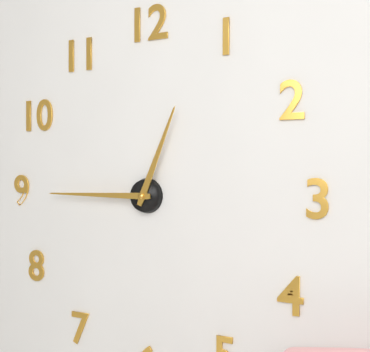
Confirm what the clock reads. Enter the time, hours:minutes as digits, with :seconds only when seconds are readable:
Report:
12:45
